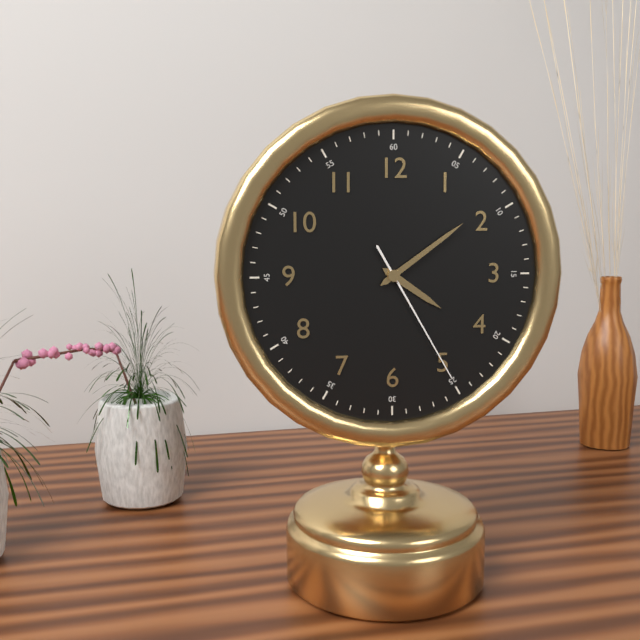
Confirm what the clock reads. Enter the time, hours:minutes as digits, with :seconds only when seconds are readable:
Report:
4:09:25
